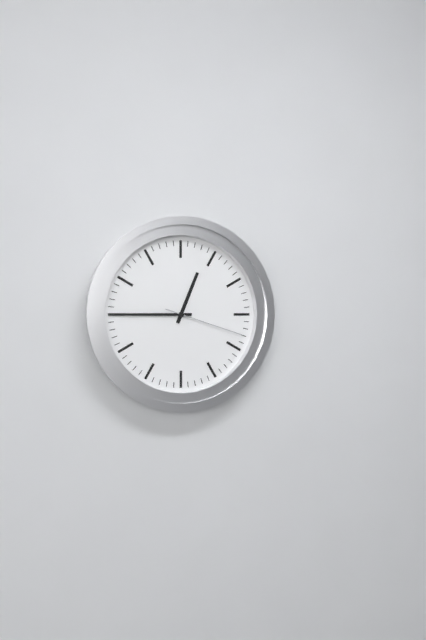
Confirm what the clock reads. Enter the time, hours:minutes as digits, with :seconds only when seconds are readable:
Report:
12:45:18
